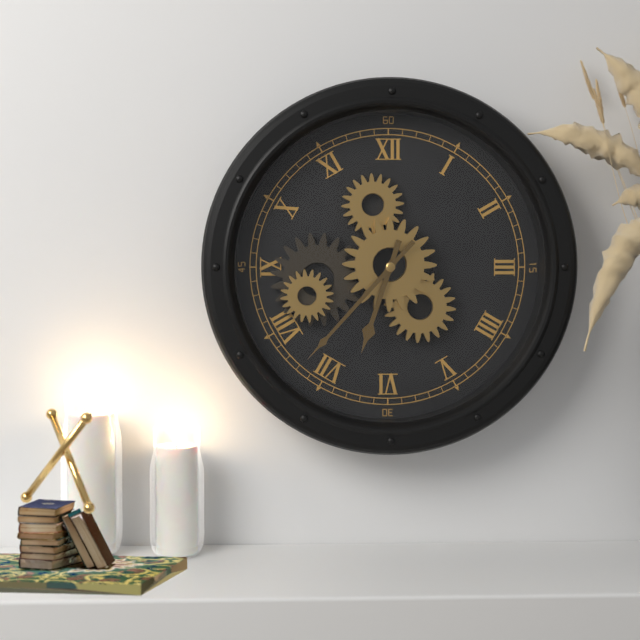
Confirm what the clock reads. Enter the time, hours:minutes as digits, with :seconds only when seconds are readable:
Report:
6:37
